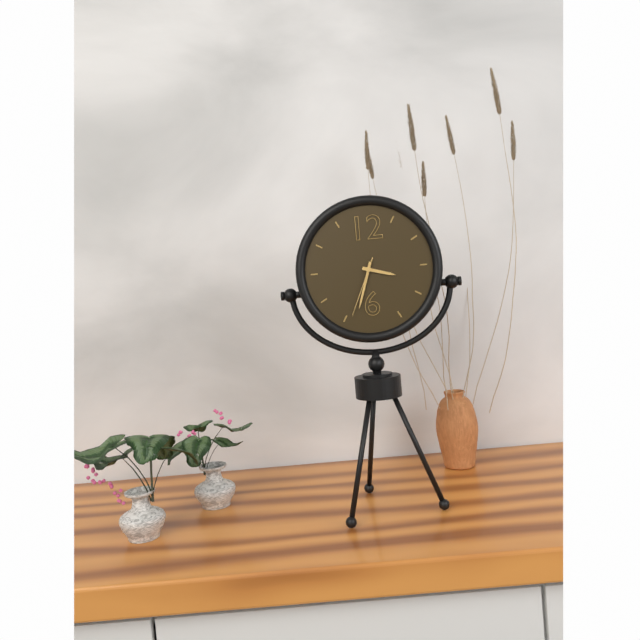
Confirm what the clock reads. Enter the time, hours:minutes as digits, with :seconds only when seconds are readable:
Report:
3:33:34
